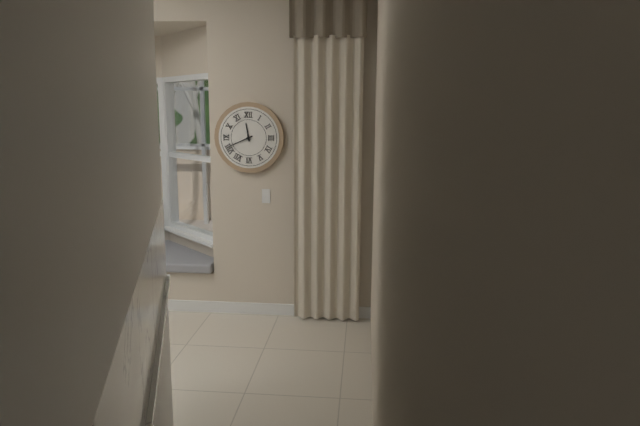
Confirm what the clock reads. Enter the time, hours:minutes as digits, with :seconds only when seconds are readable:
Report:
11:41
